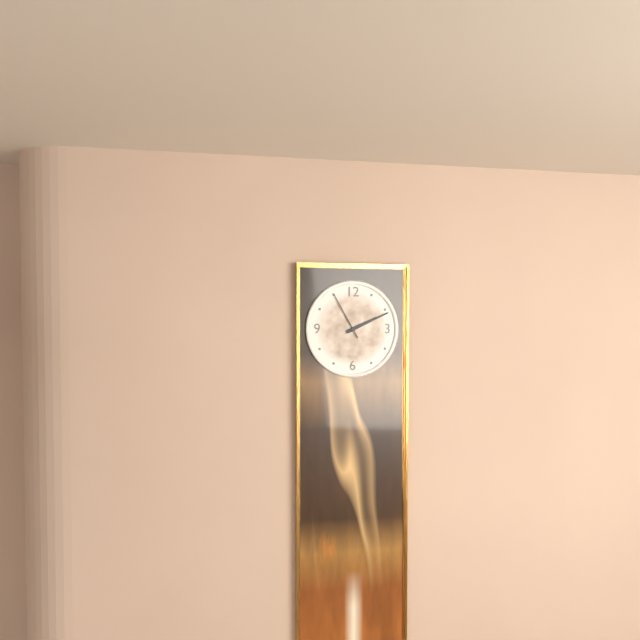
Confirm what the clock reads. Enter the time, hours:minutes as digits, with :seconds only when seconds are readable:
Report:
2:11
